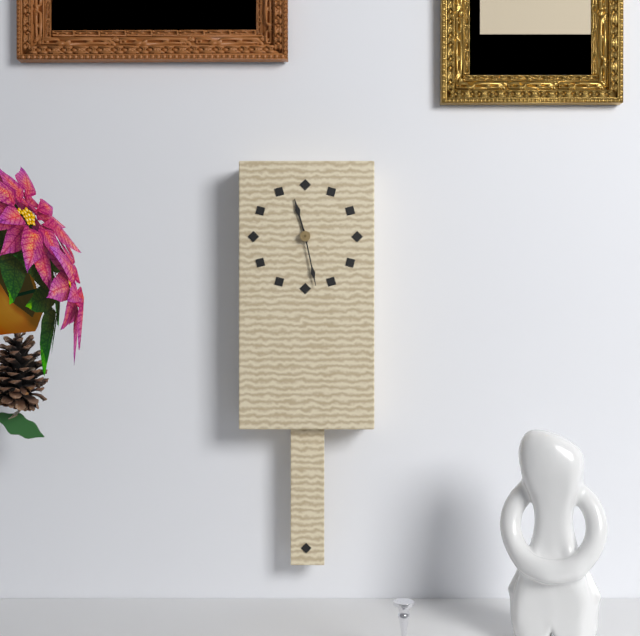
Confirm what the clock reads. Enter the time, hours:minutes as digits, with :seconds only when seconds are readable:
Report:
11:28
